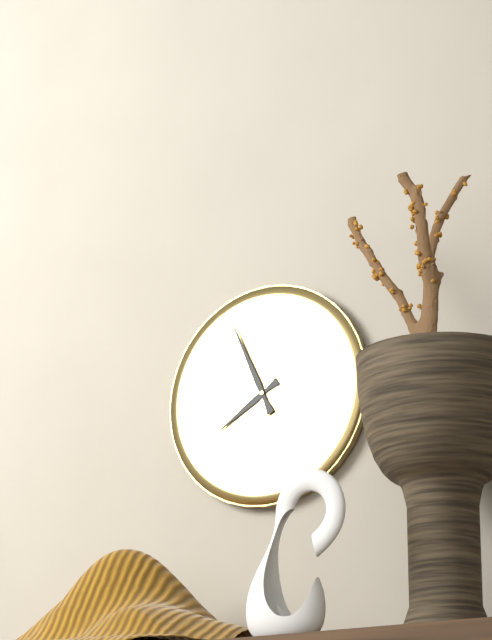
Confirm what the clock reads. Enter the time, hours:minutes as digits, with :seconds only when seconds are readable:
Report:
7:56
